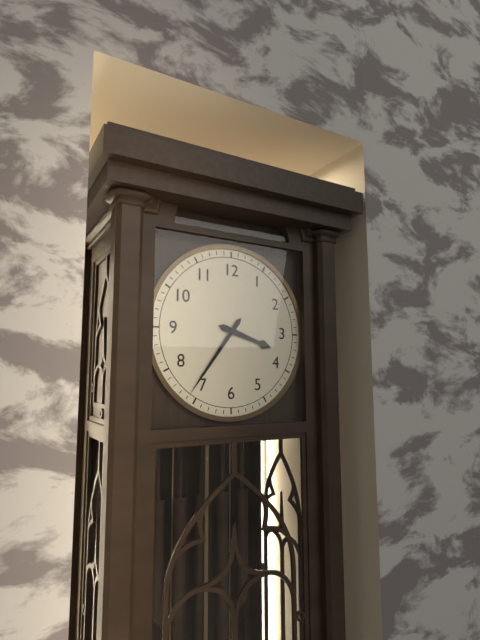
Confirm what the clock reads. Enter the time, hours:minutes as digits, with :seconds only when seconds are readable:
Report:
3:36
